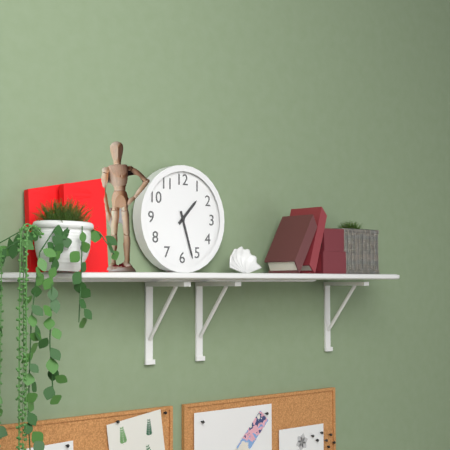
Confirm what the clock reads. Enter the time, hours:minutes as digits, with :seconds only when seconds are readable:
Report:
1:27
